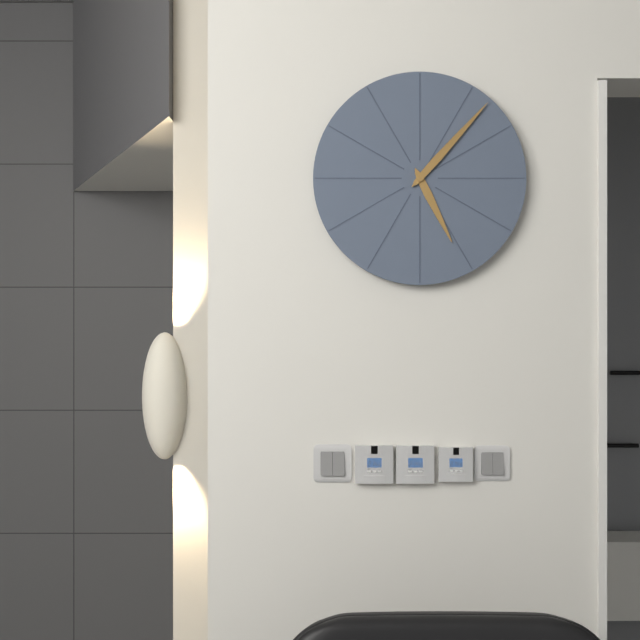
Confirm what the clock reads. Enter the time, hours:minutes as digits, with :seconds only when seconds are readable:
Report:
5:07
